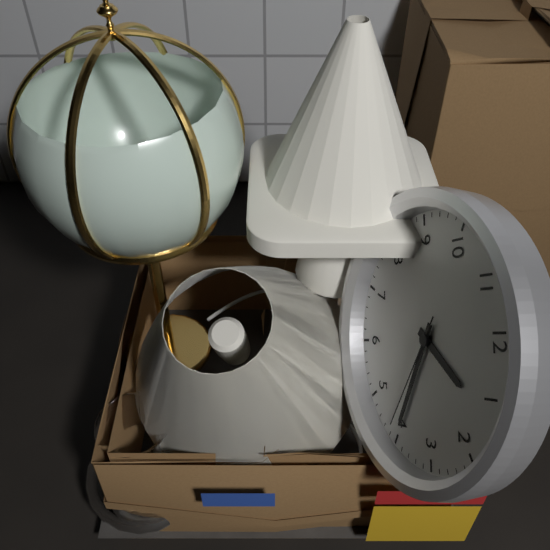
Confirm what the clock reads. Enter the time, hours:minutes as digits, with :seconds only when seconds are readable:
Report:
1:20:21
